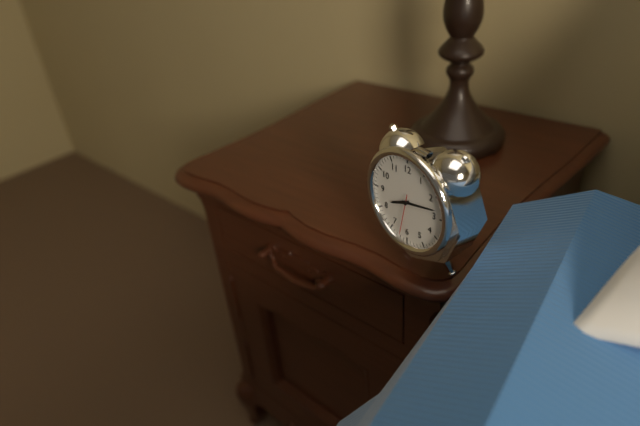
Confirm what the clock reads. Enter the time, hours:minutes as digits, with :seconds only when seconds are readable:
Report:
8:13
